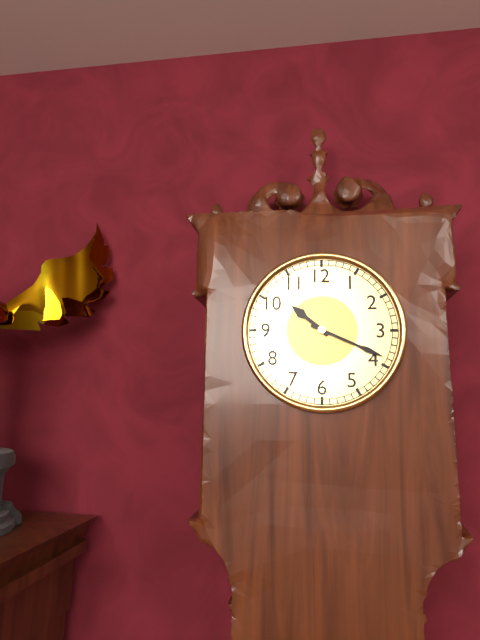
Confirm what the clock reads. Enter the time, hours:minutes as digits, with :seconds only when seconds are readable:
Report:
10:19
